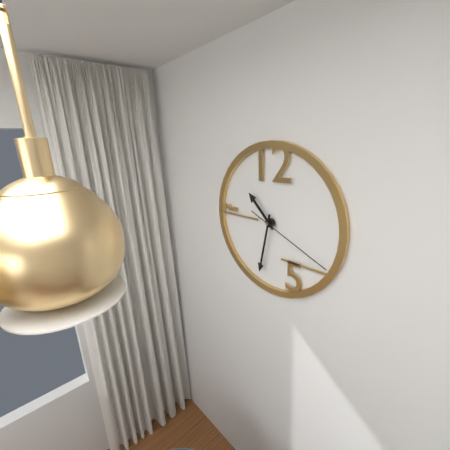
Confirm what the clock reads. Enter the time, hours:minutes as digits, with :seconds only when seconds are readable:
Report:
10:32:19
